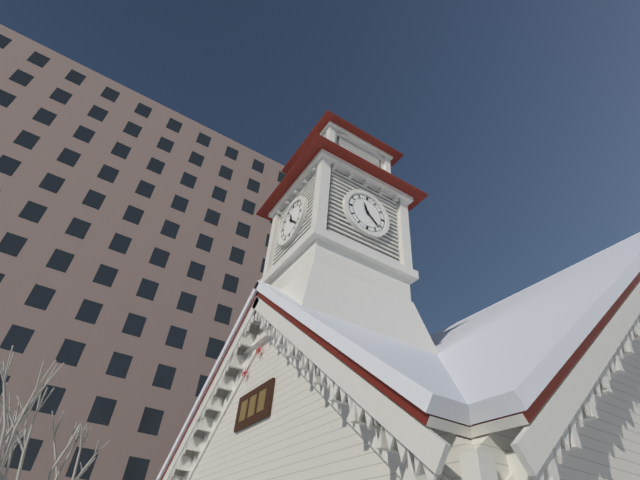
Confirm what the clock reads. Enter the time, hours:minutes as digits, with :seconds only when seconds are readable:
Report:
11:22
